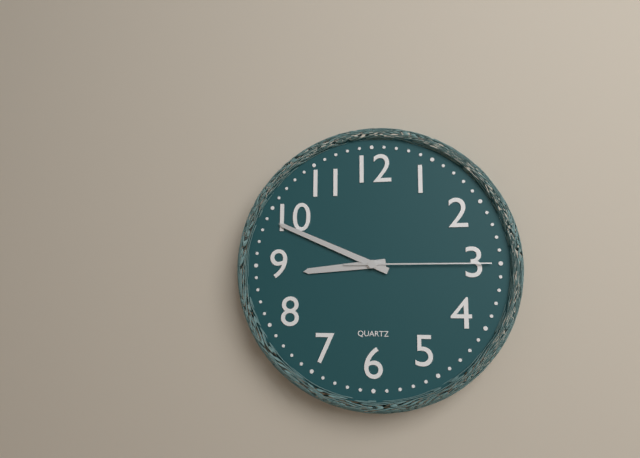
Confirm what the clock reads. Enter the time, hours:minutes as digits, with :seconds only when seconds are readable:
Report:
8:49:15
